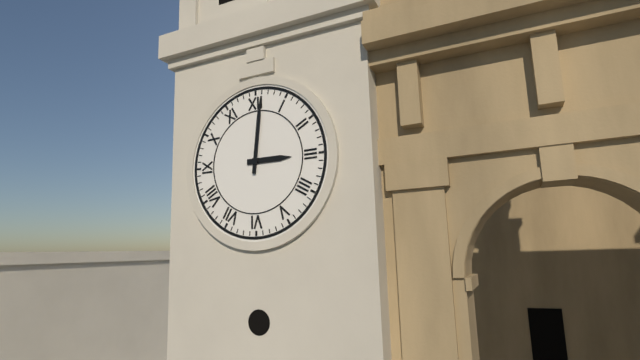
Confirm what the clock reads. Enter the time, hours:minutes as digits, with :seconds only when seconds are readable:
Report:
3:01
